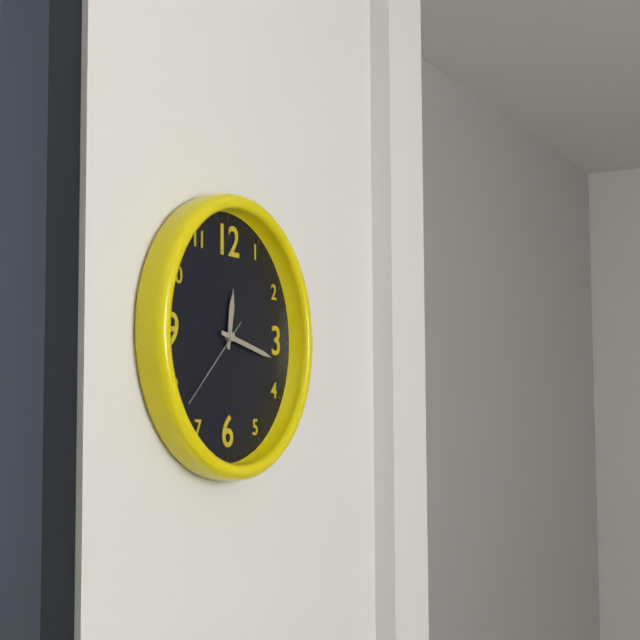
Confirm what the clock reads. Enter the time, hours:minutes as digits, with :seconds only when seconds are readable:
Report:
12:17:38
